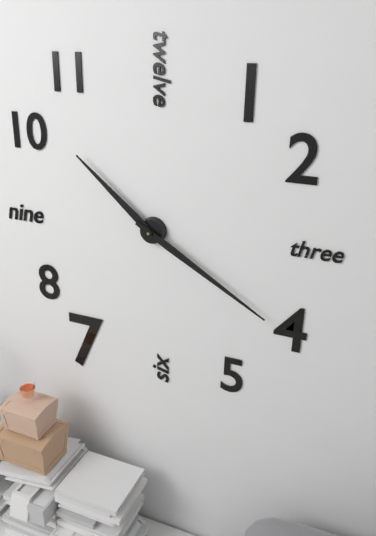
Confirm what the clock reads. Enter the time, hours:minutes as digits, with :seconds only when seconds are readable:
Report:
10:20
